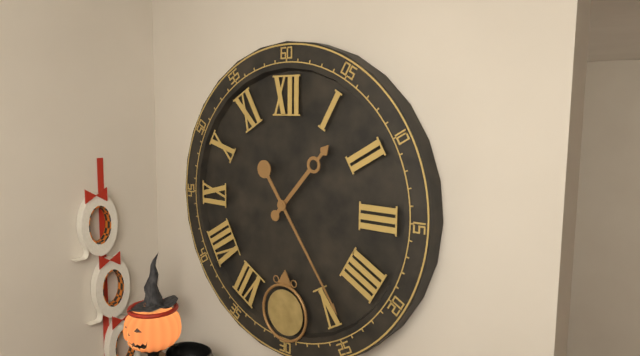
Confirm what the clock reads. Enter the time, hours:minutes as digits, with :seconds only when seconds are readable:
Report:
1:24
